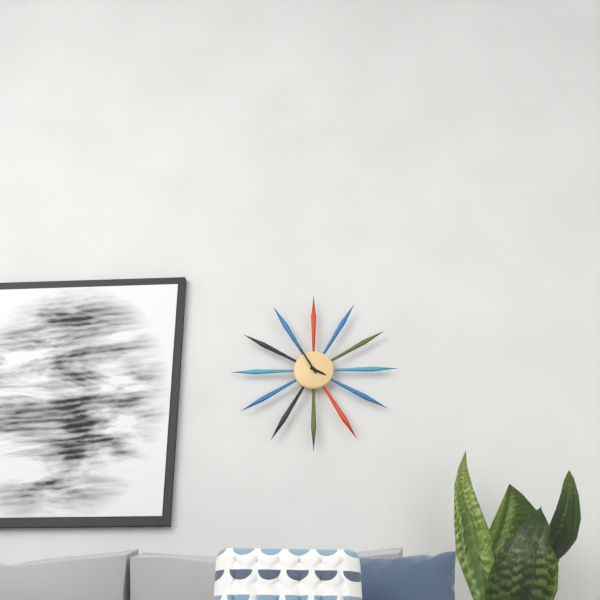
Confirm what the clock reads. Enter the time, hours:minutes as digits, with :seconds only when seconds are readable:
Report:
3:55
